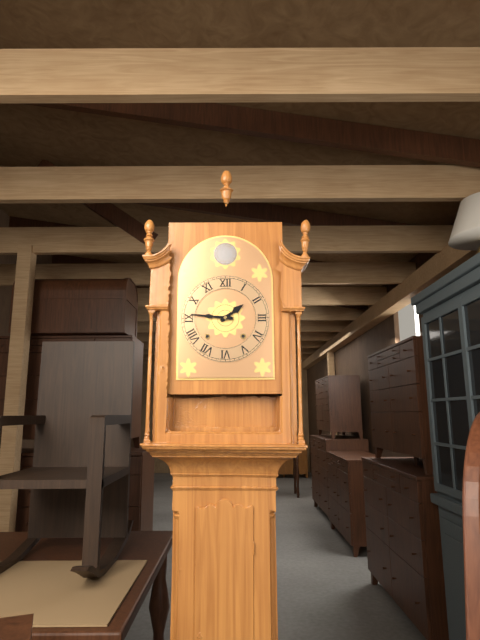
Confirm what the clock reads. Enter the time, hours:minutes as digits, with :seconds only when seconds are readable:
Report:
1:46
